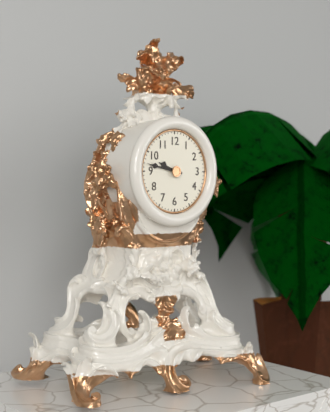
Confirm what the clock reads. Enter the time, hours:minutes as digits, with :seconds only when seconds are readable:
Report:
9:47
